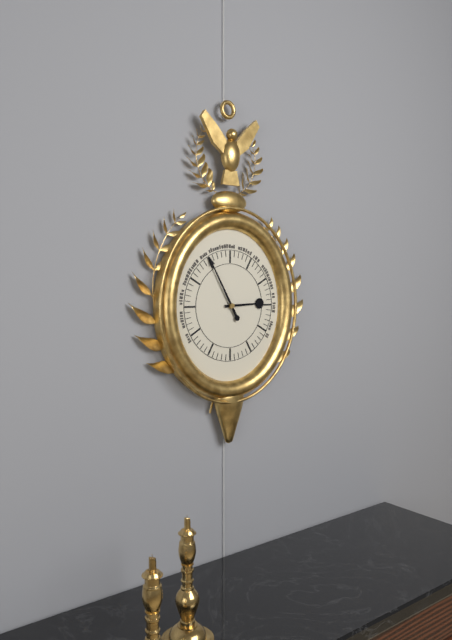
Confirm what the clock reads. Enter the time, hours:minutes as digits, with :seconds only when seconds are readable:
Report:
2:55
